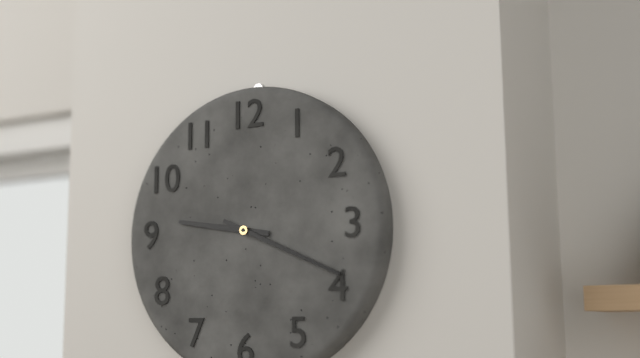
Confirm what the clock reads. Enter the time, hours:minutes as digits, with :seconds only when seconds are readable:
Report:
9:19
